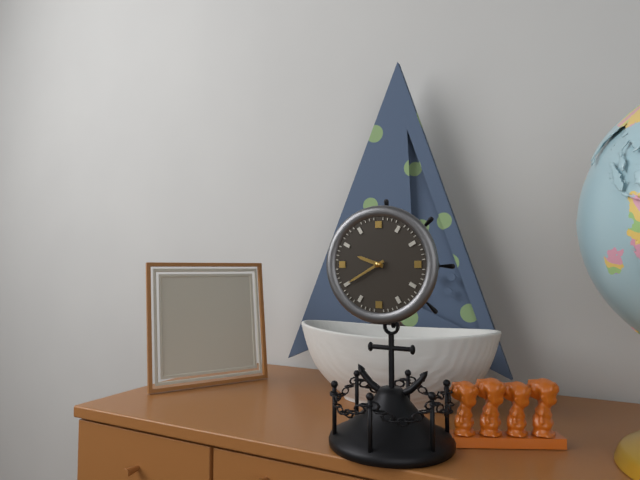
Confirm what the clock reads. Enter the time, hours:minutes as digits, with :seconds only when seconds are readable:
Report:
9:40
